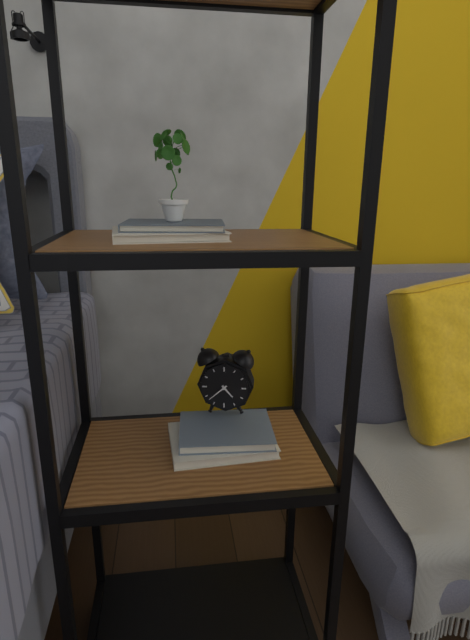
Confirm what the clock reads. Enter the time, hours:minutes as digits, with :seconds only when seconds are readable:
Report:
4:38
